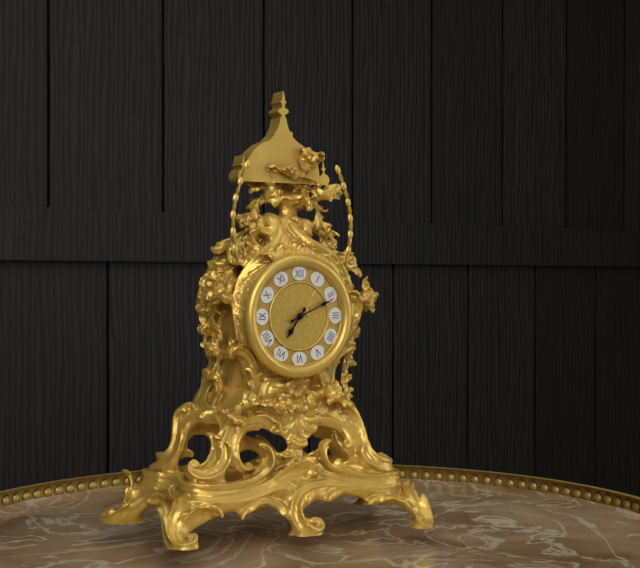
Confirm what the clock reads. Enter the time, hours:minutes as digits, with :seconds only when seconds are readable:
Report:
7:11
